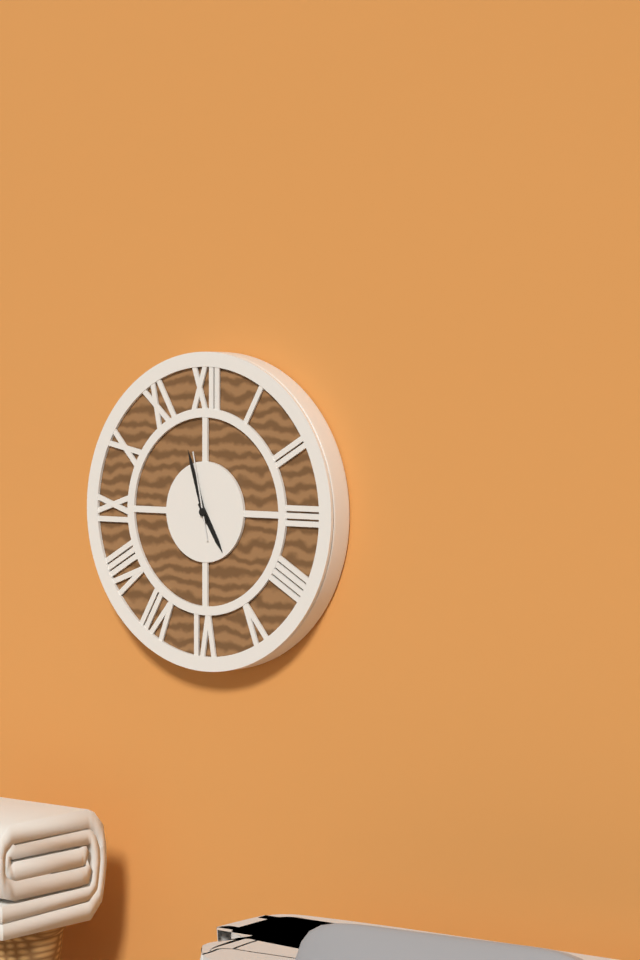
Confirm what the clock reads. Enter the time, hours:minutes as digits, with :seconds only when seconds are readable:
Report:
4:57:58
